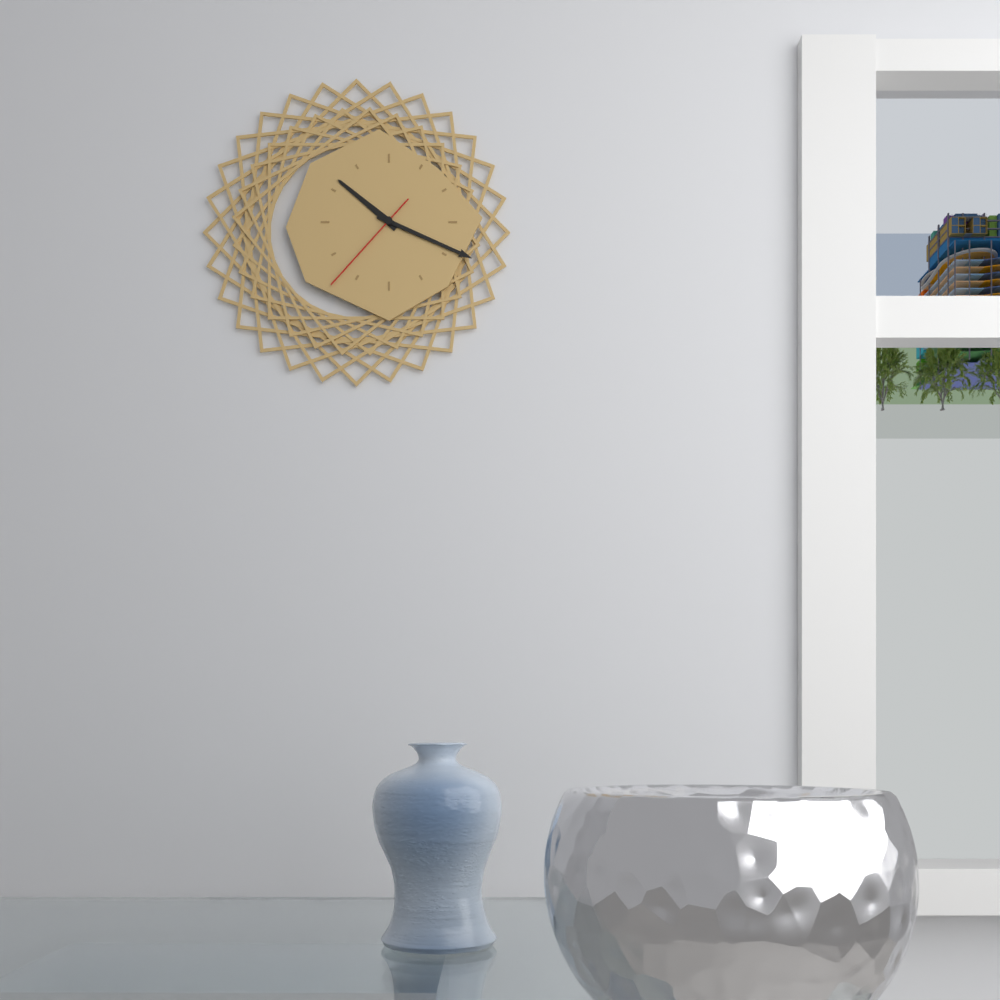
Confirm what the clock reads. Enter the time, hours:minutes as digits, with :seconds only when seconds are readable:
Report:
10:19:37
